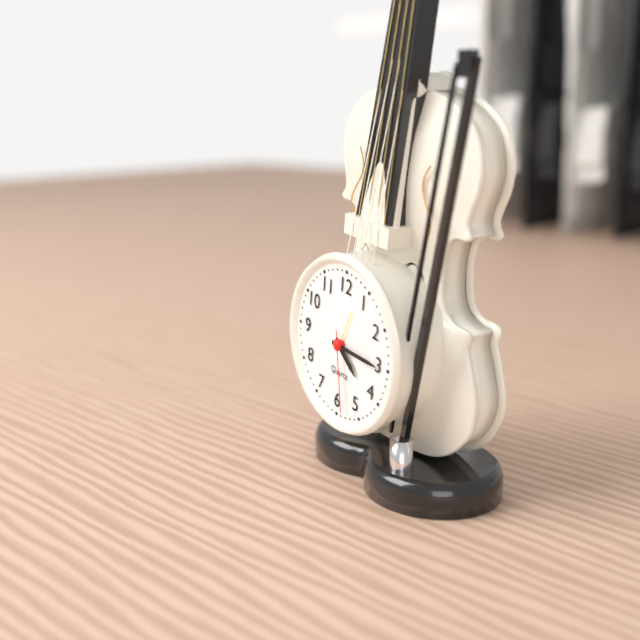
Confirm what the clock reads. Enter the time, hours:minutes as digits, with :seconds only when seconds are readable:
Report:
4:15:28
